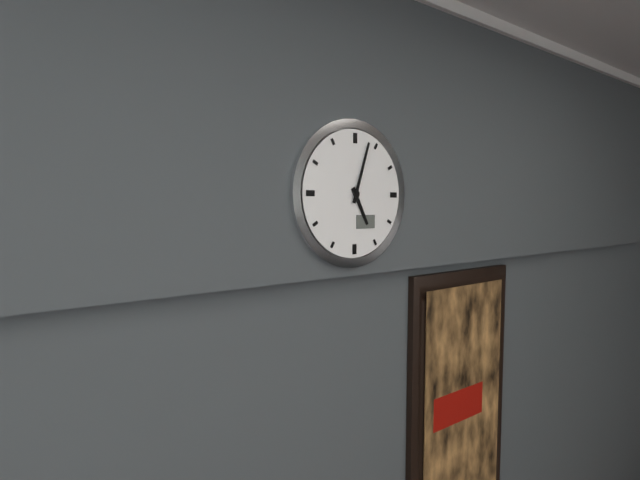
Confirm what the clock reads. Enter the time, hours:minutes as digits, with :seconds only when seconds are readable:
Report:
5:03
